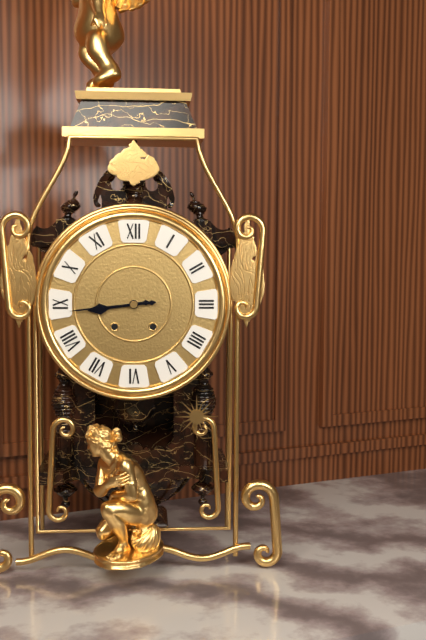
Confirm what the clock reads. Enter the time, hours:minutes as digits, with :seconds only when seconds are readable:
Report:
8:44
